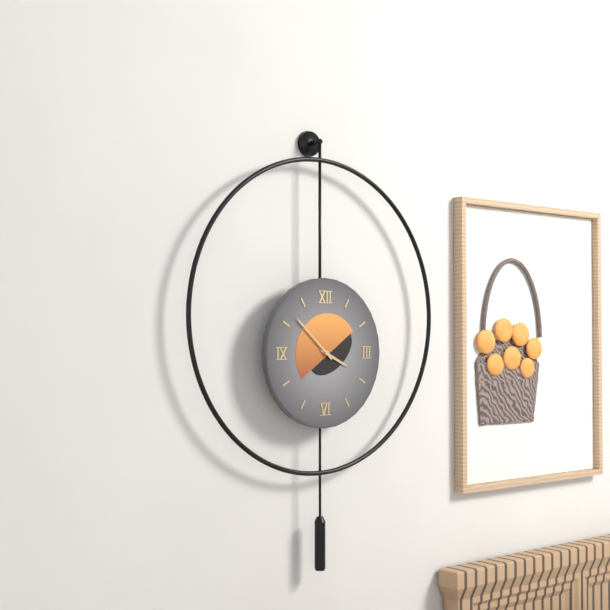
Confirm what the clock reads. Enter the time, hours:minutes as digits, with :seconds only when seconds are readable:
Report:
3:52
